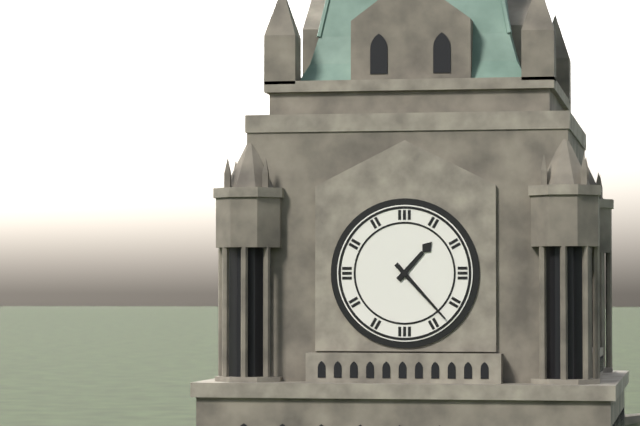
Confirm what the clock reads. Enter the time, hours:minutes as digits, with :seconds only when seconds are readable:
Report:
1:23
